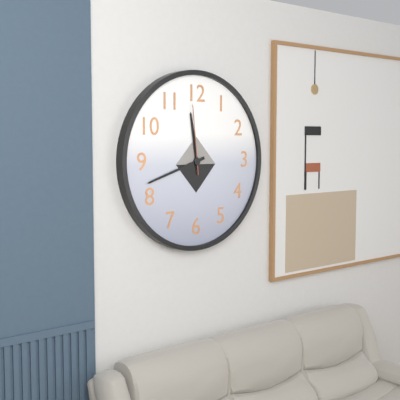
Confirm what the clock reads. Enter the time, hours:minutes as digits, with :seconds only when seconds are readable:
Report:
11:42:59
